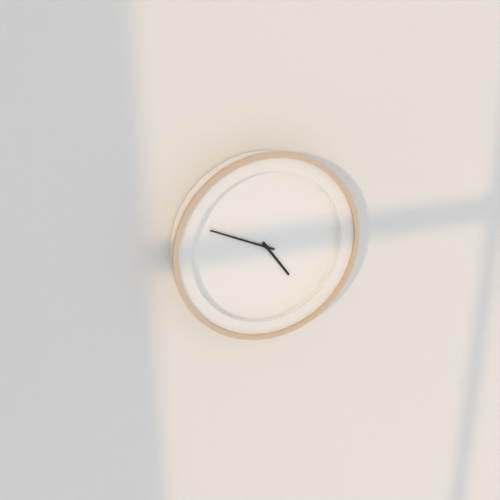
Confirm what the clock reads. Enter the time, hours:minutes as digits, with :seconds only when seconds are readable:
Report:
4:49
